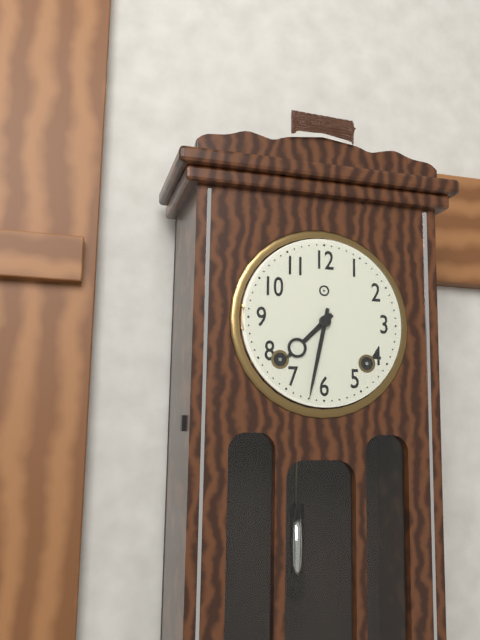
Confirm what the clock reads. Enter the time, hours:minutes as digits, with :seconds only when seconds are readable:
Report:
7:32
